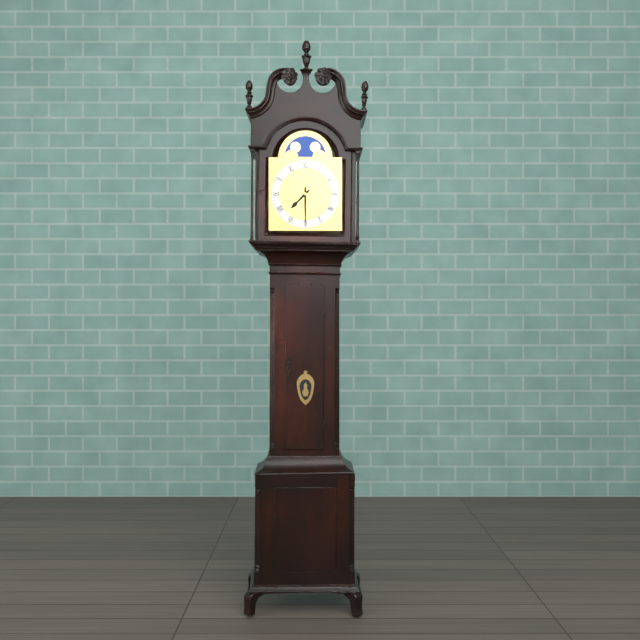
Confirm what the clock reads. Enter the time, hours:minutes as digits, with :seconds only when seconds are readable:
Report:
7:30
